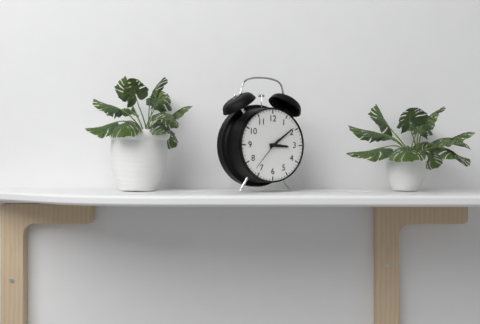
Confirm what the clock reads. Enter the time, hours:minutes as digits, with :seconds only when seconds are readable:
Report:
3:09
